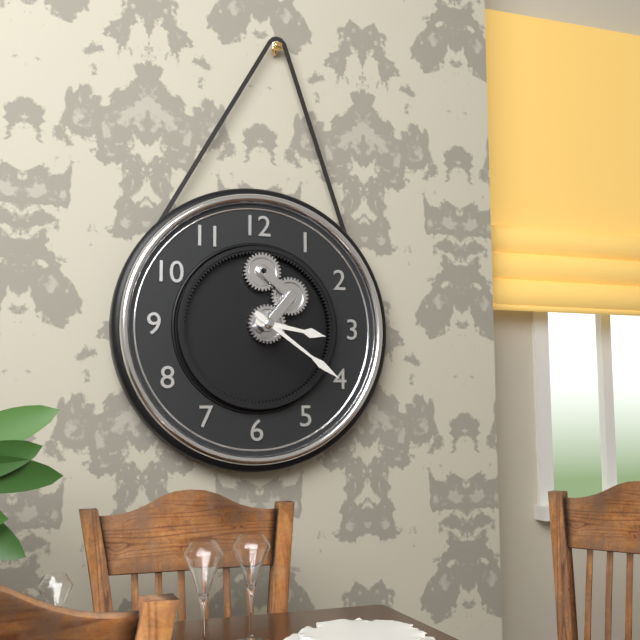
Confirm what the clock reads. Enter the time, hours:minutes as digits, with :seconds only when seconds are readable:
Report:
3:21
